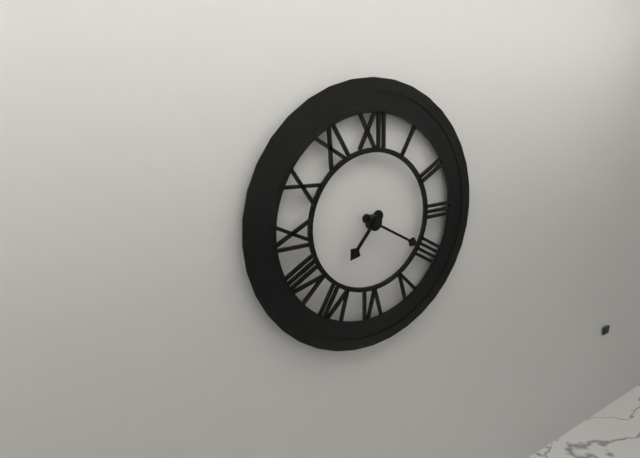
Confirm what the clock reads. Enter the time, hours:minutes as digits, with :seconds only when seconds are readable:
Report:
7:20
